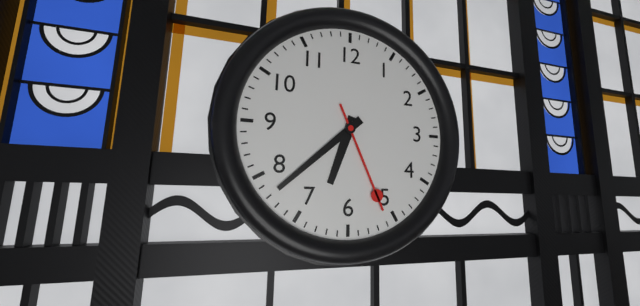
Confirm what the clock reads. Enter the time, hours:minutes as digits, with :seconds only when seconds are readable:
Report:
6:38:26
